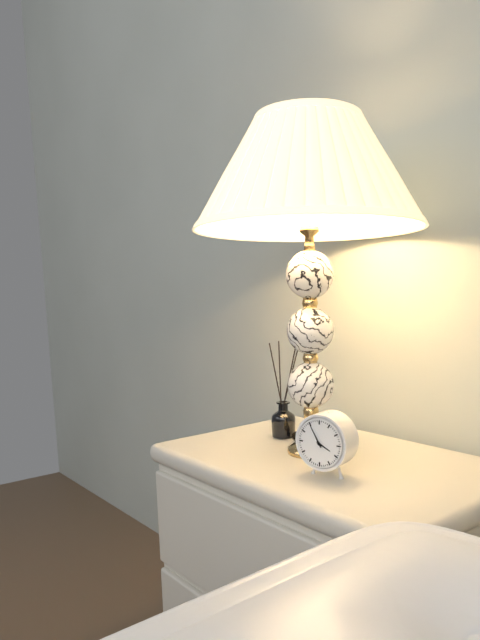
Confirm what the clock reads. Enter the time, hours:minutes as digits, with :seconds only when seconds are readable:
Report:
3:55
